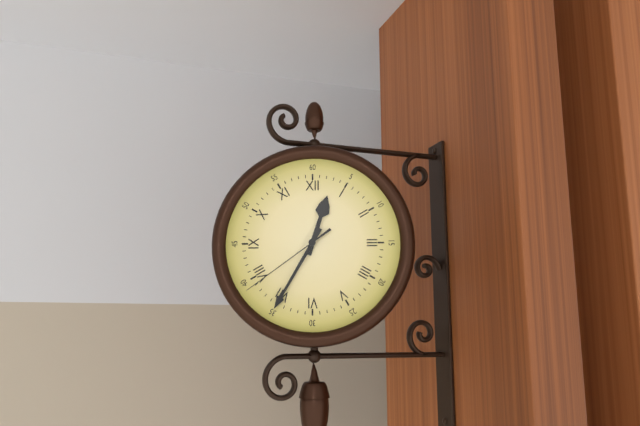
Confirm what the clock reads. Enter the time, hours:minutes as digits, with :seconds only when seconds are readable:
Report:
12:35:39
